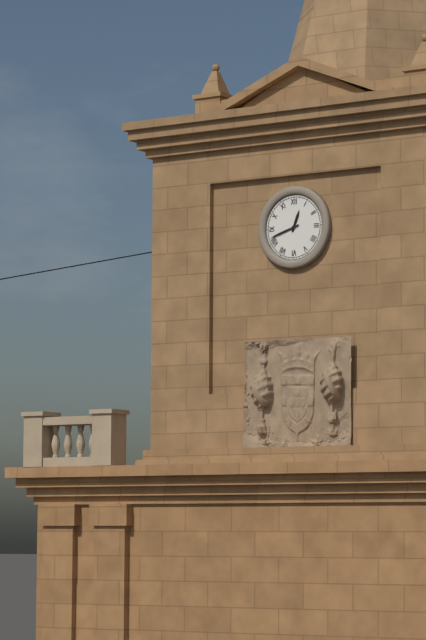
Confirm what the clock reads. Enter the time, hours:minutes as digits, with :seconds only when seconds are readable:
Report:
12:42
